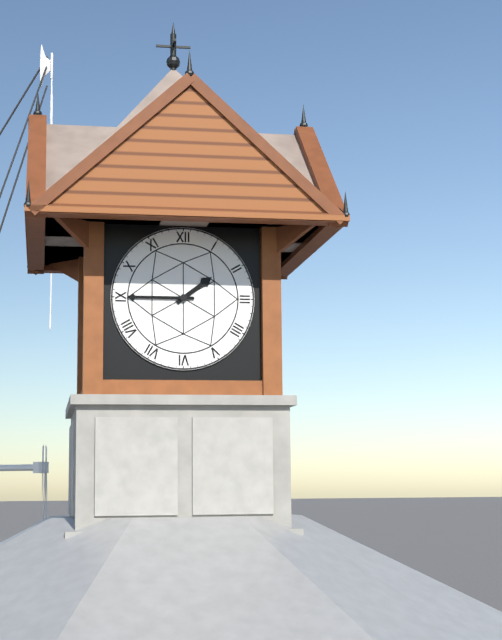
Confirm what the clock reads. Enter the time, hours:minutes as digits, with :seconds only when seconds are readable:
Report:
1:45
